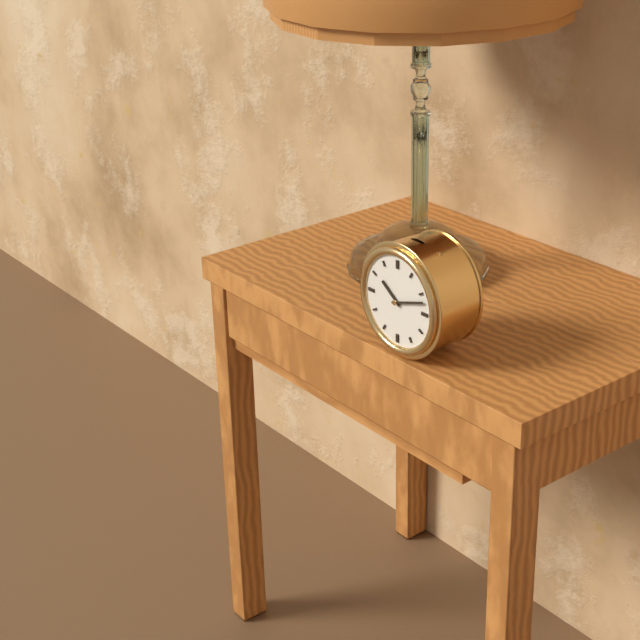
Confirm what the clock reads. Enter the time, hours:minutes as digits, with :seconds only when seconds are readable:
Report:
10:12
